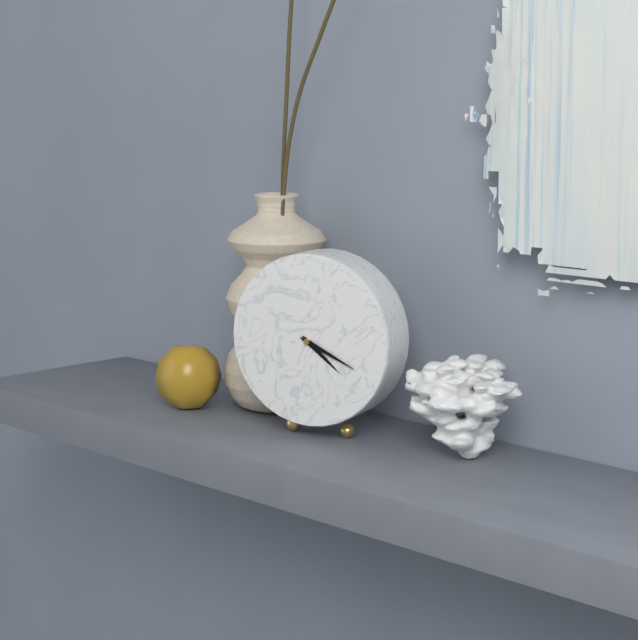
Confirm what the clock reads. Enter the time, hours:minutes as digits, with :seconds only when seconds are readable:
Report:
4:19
